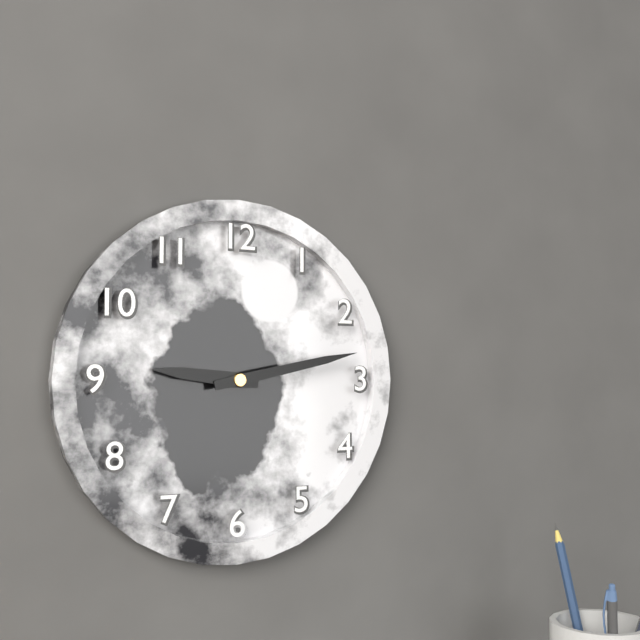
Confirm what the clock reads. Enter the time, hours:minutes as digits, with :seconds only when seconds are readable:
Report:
9:13
